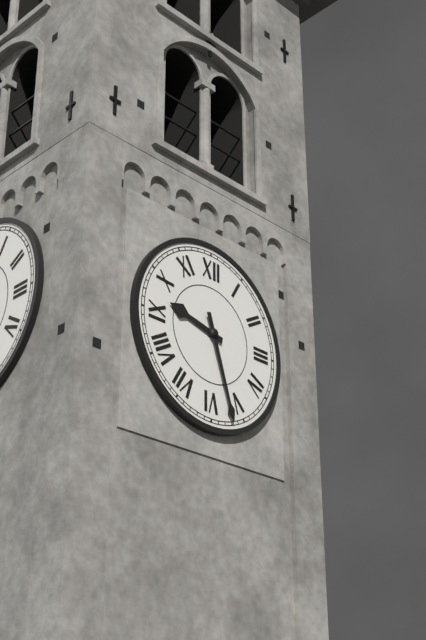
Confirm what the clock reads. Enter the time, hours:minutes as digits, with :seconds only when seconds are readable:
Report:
9:27
